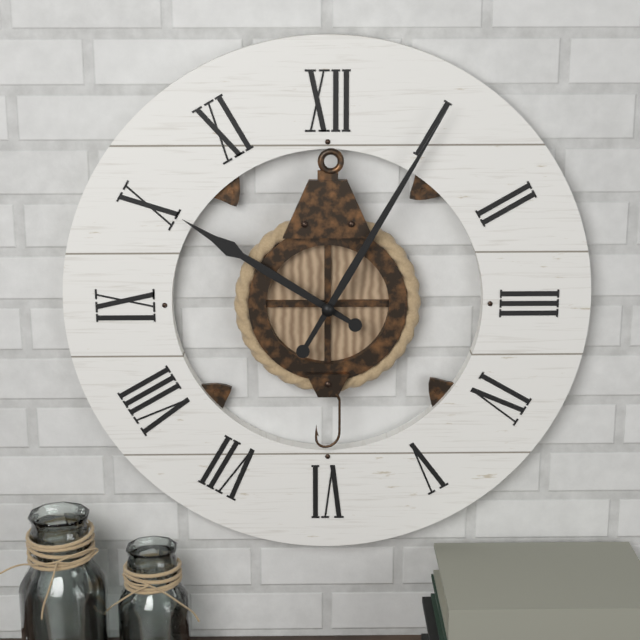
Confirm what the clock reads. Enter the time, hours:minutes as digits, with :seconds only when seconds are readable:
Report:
10:05
